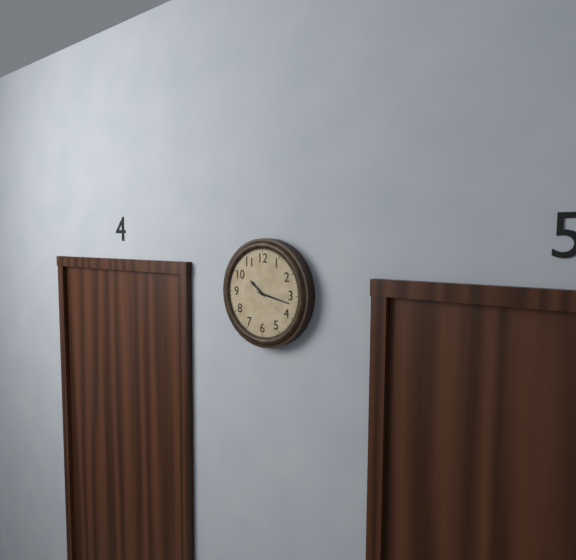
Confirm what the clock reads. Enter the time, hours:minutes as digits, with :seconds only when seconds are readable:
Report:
10:17
